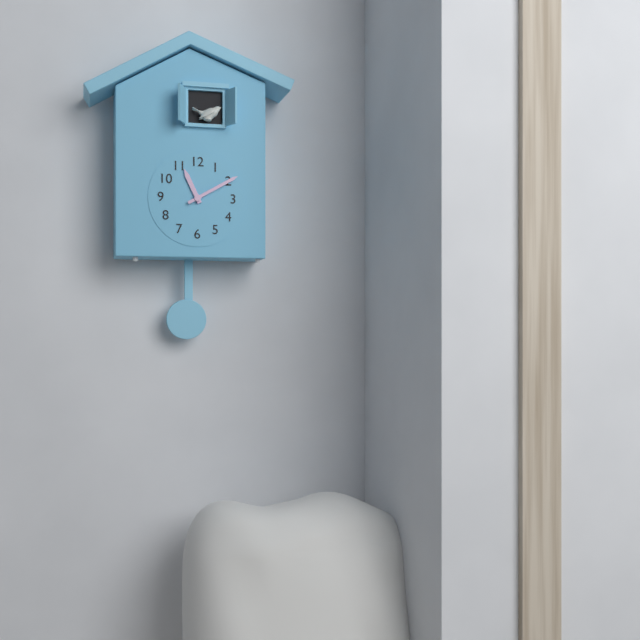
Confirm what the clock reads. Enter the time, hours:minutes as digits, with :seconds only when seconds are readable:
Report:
11:10
